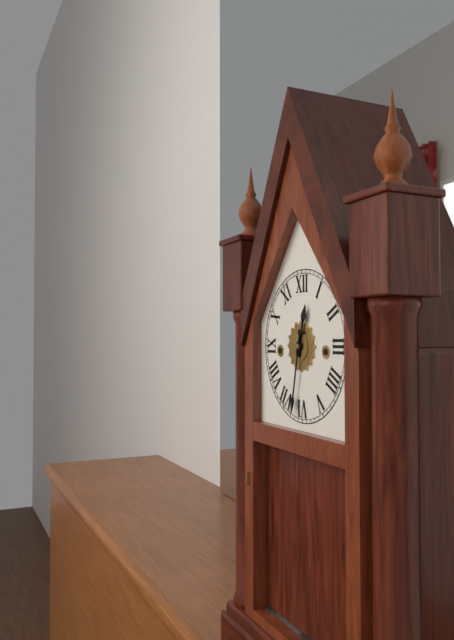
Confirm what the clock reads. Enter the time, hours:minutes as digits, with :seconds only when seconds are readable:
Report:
12:32
